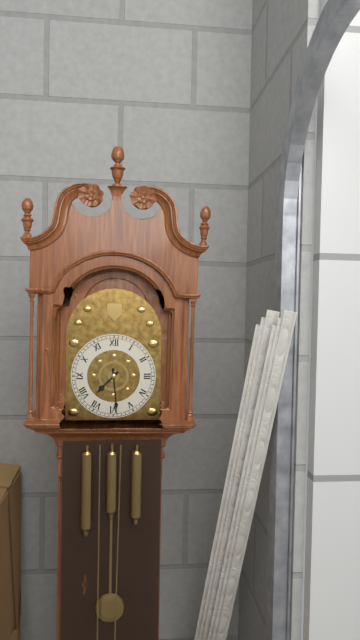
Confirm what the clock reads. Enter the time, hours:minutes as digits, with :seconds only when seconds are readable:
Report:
7:29
